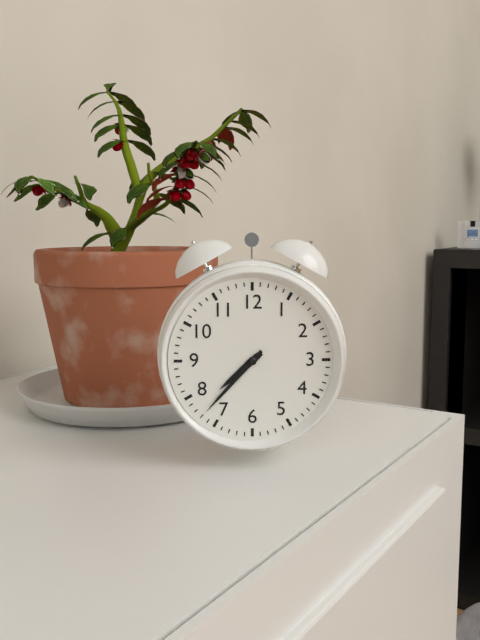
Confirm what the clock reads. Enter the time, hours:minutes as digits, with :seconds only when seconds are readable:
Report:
7:37
